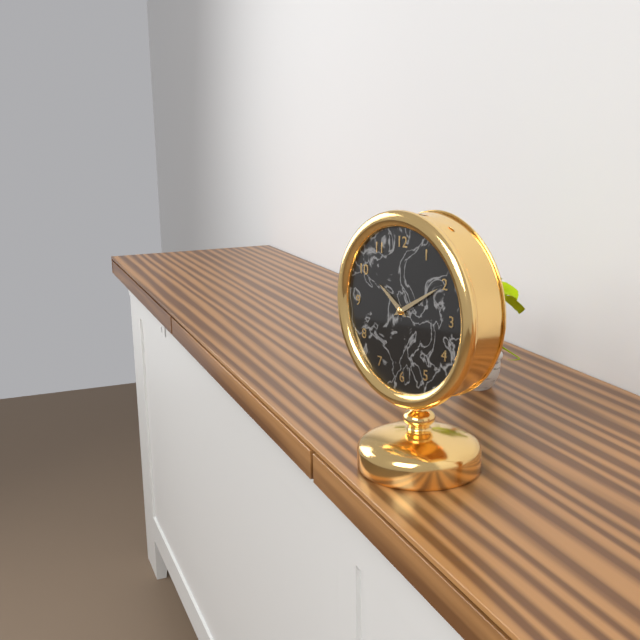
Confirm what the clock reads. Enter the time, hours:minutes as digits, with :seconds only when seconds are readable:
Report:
10:10
